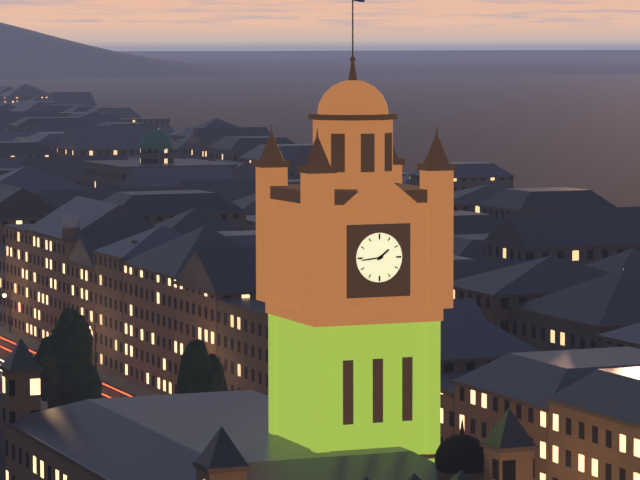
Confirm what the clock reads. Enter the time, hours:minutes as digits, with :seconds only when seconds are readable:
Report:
1:44
